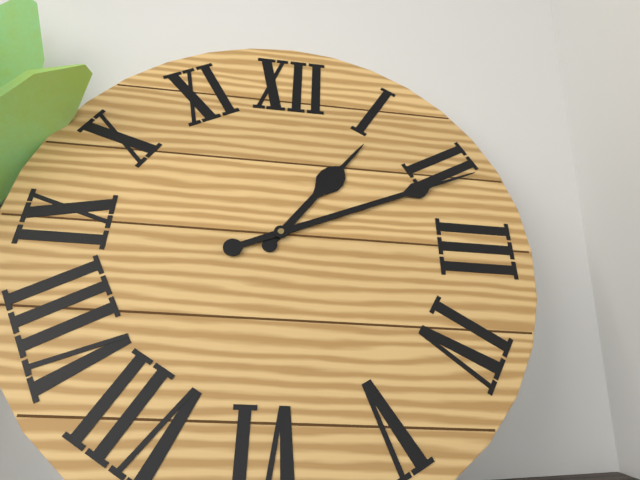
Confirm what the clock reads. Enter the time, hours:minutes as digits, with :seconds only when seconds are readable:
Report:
1:11
